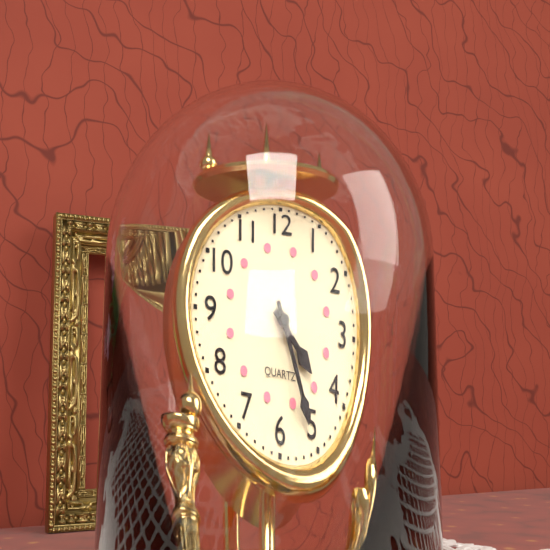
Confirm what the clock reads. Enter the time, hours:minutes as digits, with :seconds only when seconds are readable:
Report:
4:26
